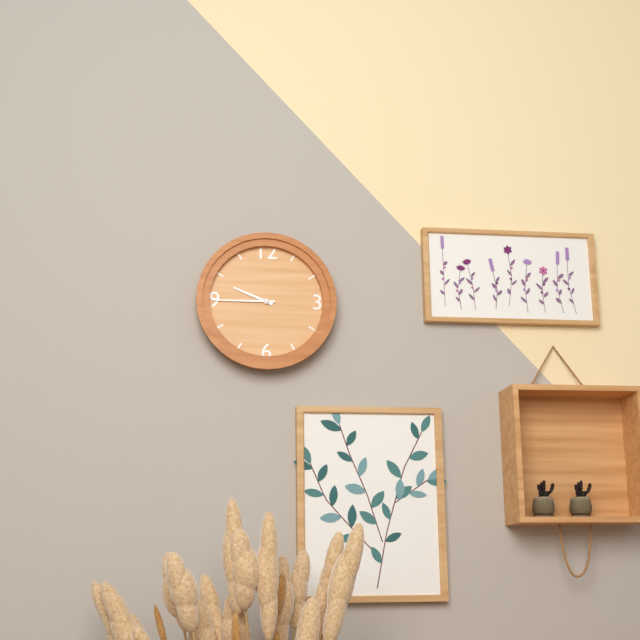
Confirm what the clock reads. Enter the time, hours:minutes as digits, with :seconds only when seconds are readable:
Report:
9:45
